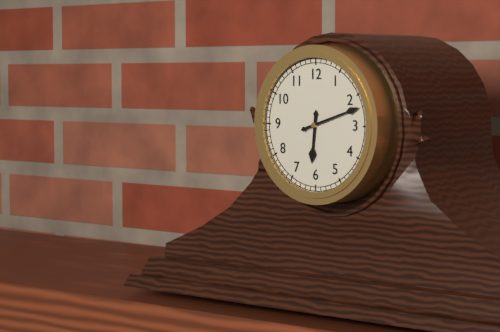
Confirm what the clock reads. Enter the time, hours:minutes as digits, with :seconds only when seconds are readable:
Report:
6:12
